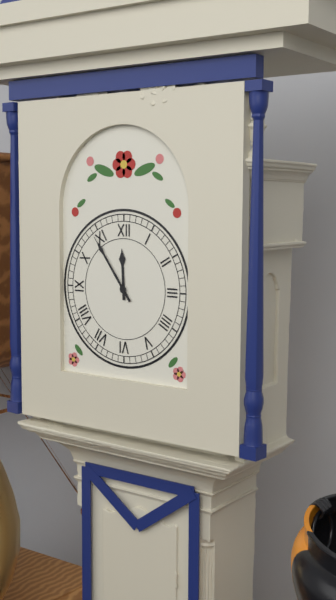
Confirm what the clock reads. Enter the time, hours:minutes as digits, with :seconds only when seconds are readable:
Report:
11:54
